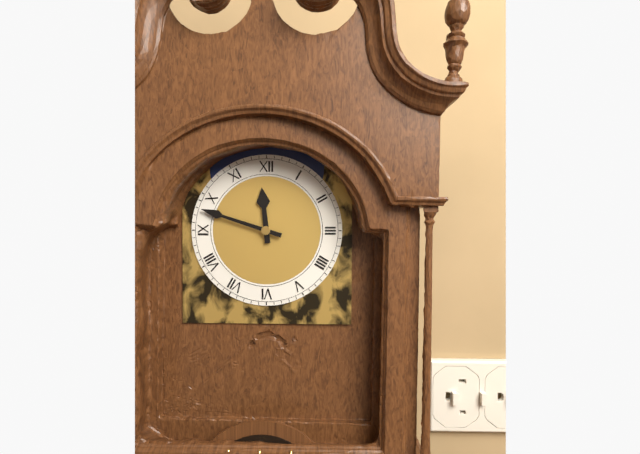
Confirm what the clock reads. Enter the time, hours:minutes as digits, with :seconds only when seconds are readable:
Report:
11:48
